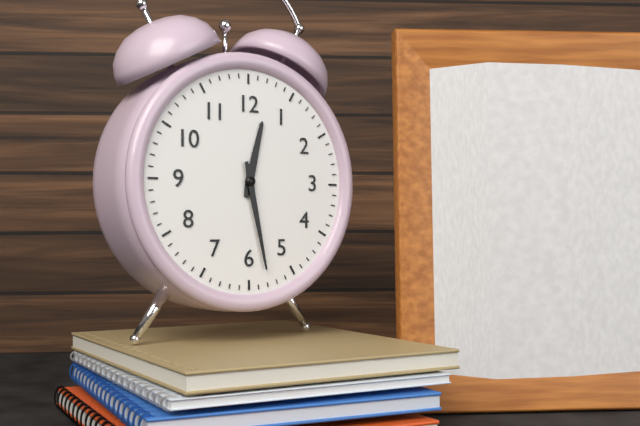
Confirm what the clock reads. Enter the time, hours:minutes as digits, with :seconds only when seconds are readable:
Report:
12:28
